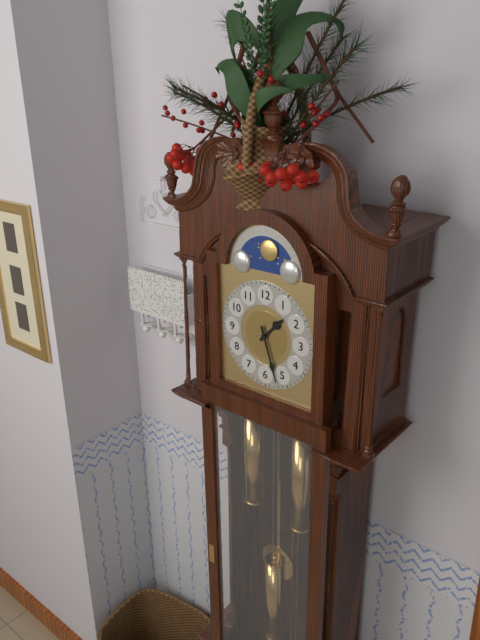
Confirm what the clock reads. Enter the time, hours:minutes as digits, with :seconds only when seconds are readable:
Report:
1:27
